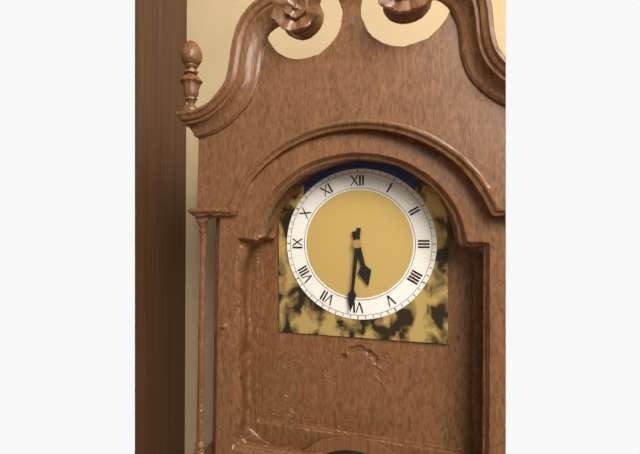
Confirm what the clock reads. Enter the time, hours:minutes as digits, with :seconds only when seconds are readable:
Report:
5:31
